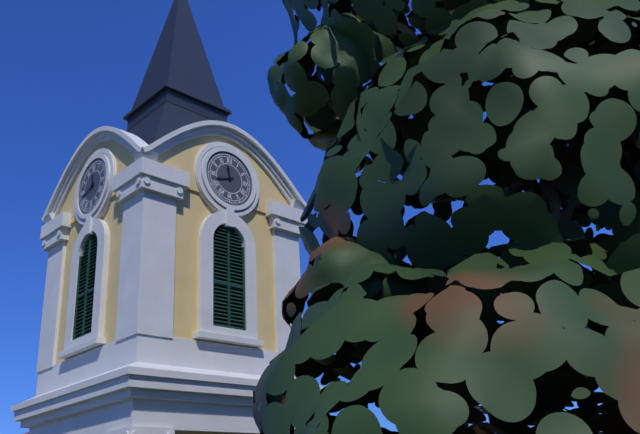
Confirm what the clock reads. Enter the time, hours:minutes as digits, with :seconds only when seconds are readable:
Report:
11:42
